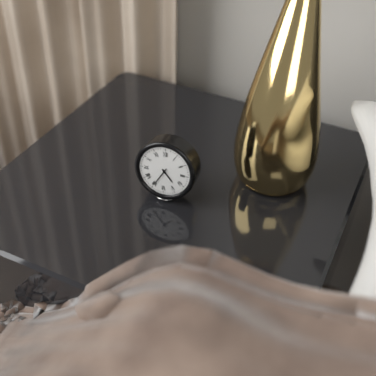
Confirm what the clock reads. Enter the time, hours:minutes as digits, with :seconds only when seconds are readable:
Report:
4:35
